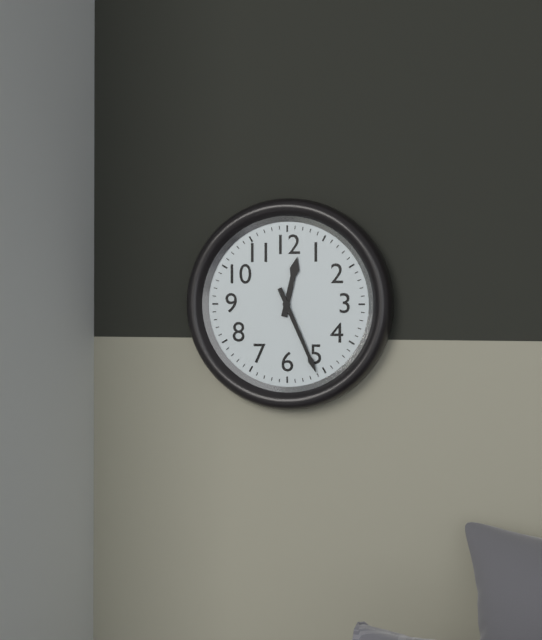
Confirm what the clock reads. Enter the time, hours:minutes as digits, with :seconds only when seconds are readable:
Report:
12:26
